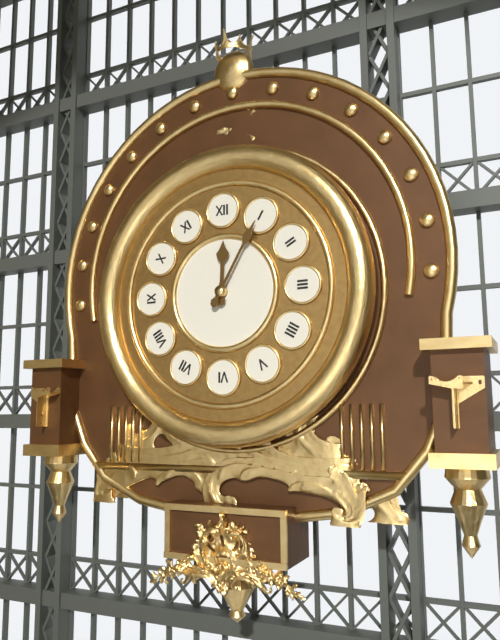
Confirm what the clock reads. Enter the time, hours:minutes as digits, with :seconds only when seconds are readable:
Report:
12:05
